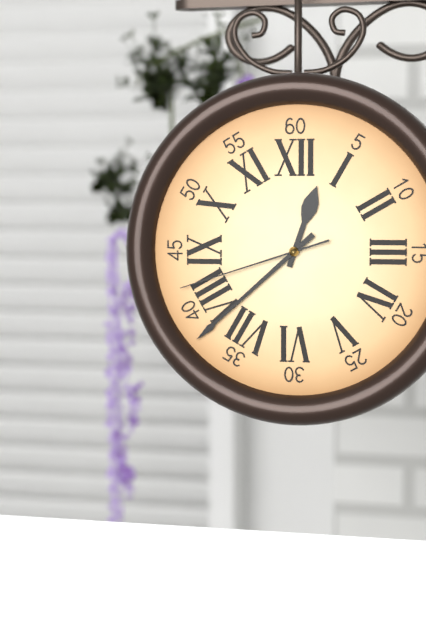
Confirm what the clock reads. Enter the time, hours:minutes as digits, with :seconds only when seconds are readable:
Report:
12:38:42
